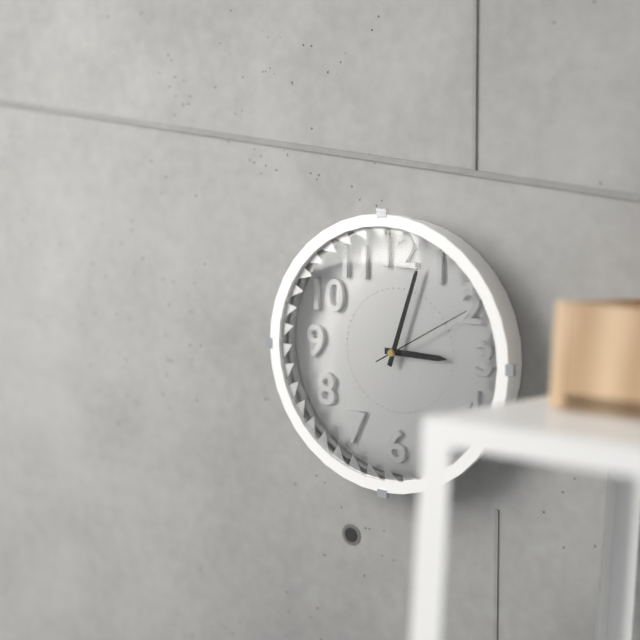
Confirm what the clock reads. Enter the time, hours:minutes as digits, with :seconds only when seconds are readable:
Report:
3:03:10
